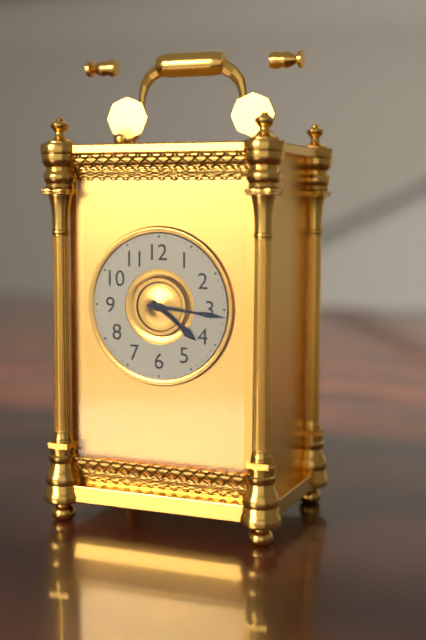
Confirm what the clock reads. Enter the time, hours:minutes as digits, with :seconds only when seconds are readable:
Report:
4:16
